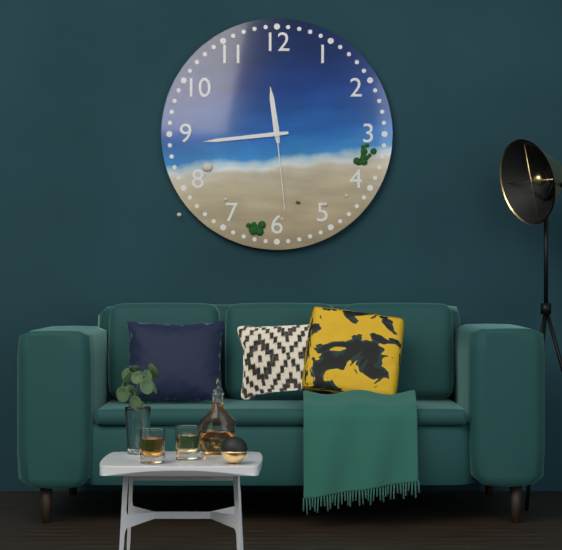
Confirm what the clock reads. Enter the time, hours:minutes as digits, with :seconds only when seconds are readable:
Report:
11:44:29
